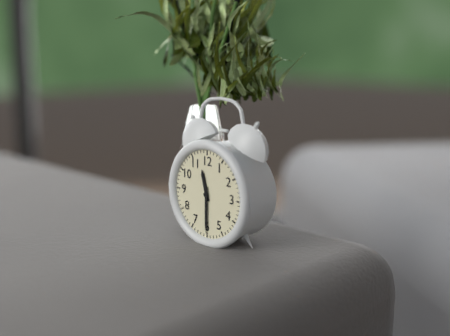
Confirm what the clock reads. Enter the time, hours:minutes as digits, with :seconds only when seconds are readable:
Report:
11:30
